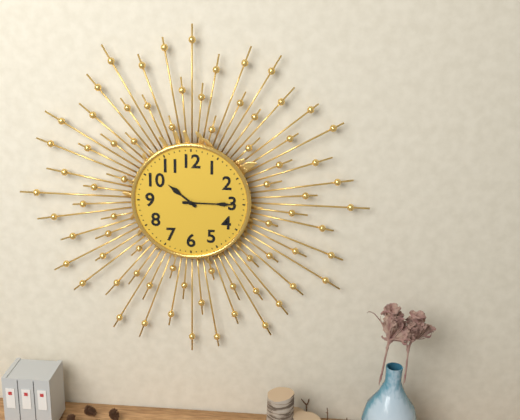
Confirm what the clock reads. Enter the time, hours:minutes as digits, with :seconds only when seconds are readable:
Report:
10:15
